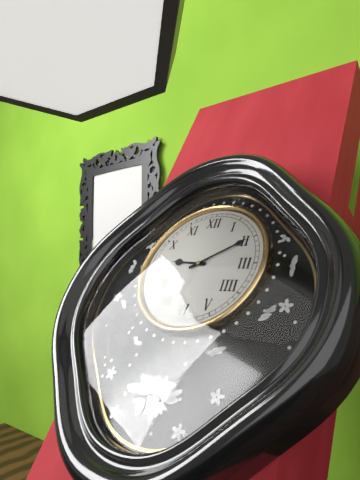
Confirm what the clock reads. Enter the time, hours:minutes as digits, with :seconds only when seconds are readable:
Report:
9:10
